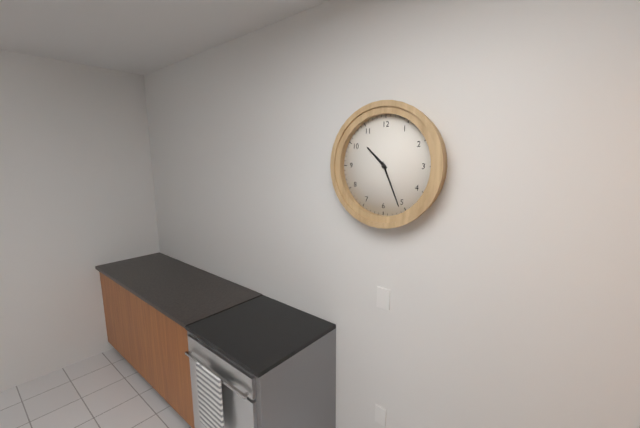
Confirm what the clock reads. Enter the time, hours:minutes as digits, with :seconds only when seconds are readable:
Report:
10:26
